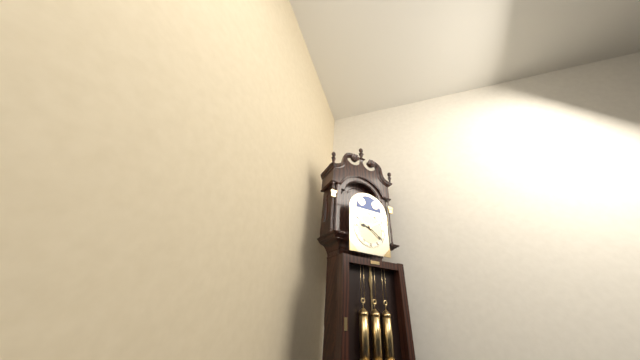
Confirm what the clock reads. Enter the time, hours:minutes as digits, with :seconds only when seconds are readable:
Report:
9:21
